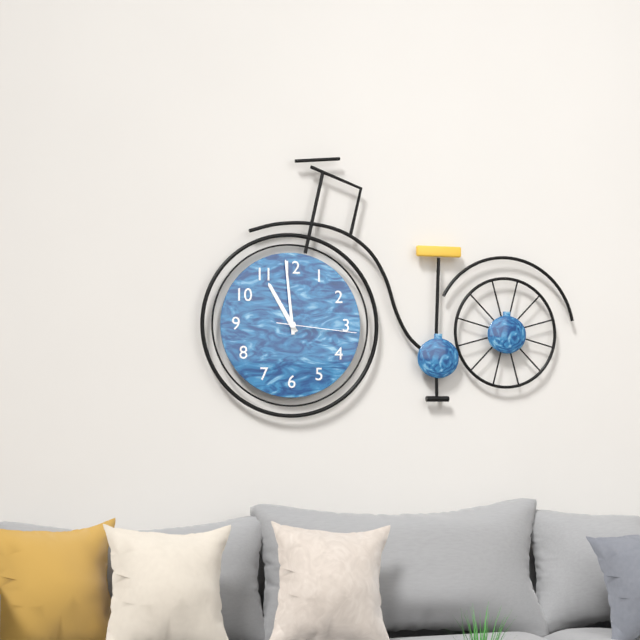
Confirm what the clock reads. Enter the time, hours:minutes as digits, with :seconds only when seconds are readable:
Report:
10:59:16
